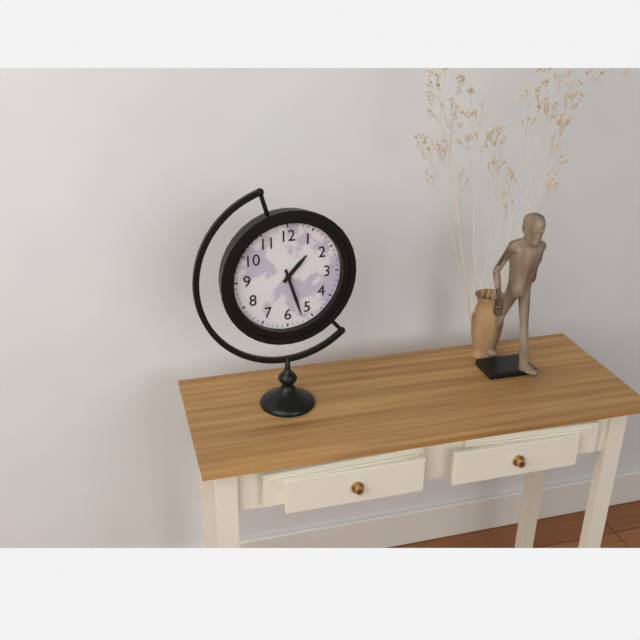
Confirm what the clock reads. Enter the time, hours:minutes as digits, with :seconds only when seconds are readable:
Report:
1:27
